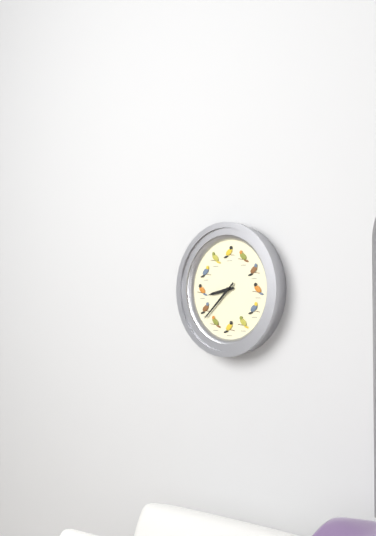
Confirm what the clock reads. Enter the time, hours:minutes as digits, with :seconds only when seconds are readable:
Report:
8:38
